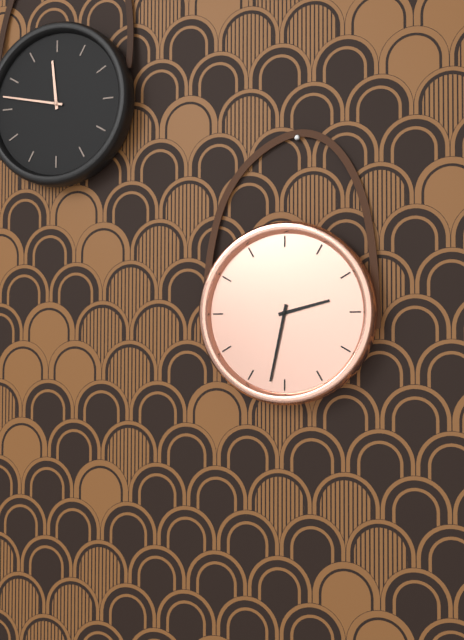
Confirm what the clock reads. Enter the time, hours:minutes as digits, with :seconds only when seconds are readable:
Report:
2:32
